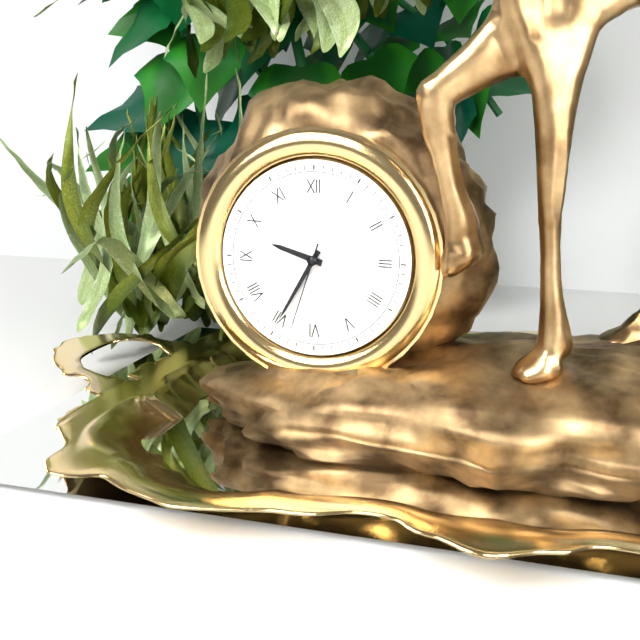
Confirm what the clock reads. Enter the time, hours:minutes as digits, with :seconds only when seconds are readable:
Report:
9:35:33
